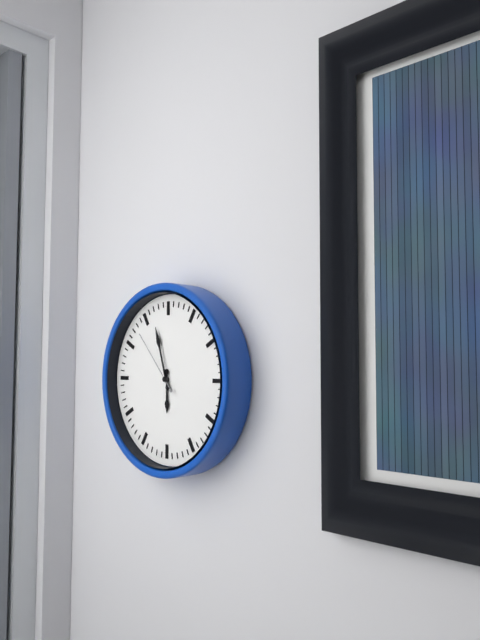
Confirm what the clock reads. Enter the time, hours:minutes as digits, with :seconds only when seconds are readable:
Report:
5:57:53
